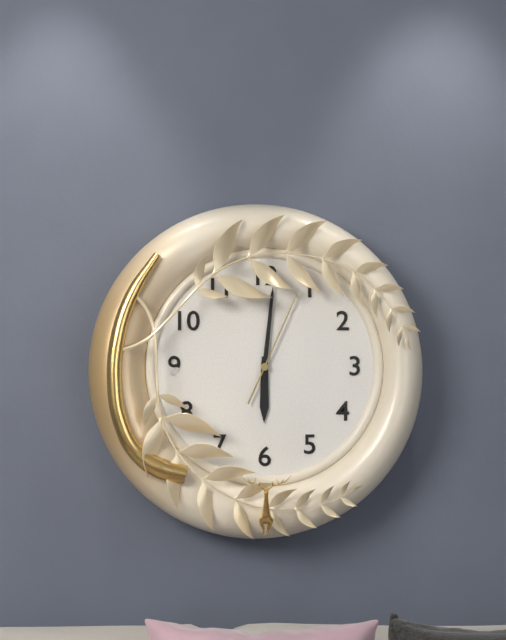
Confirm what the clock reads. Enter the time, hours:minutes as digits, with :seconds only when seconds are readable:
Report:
6:01:04
